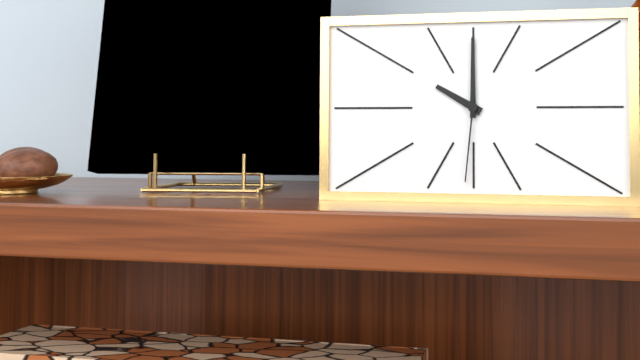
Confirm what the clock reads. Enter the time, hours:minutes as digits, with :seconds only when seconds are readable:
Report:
10:00:31
